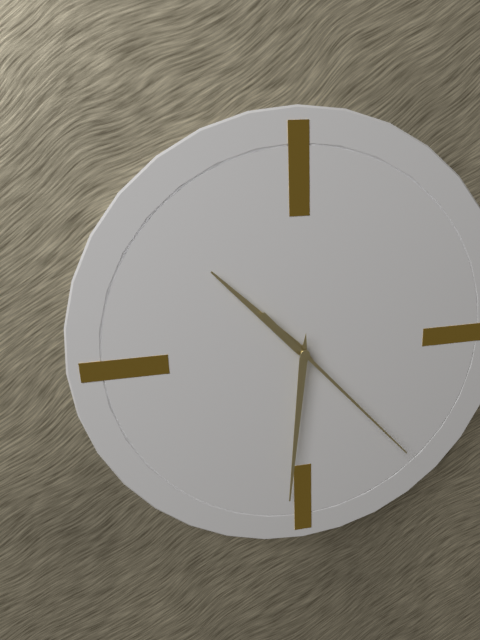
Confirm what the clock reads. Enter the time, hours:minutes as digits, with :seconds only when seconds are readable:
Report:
10:31:23
